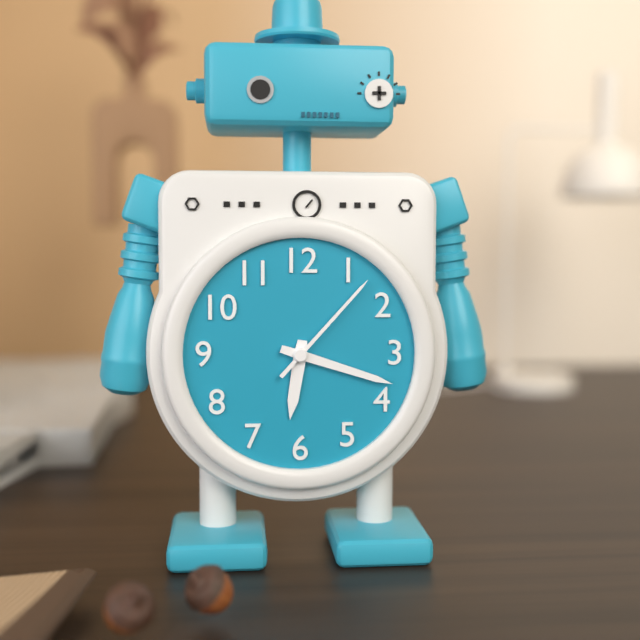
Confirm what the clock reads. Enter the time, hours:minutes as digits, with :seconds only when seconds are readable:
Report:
6:18:07
